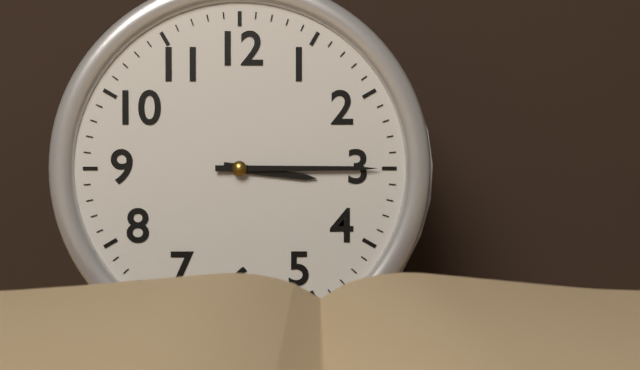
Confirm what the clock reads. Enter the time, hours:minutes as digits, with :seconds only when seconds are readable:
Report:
3:15
